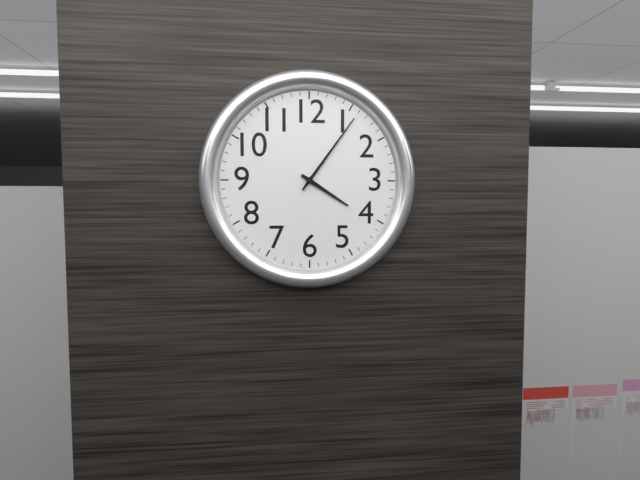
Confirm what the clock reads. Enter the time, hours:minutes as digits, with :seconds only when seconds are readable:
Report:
4:06
